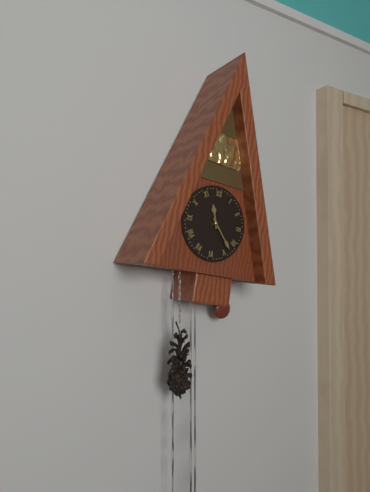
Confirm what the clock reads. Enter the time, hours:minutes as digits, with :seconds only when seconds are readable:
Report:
11:23
